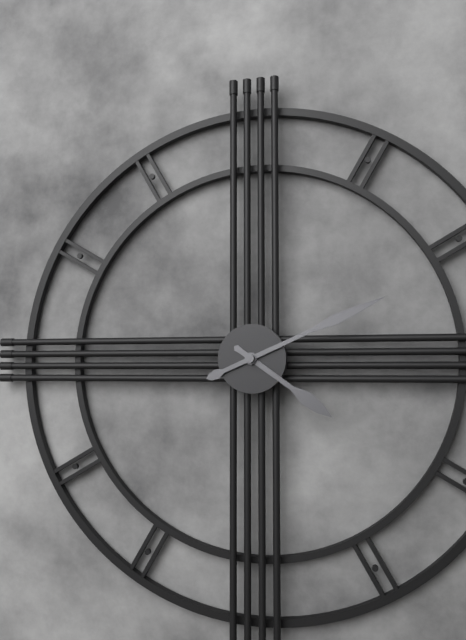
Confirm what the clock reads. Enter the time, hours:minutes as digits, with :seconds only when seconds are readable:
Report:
4:11
